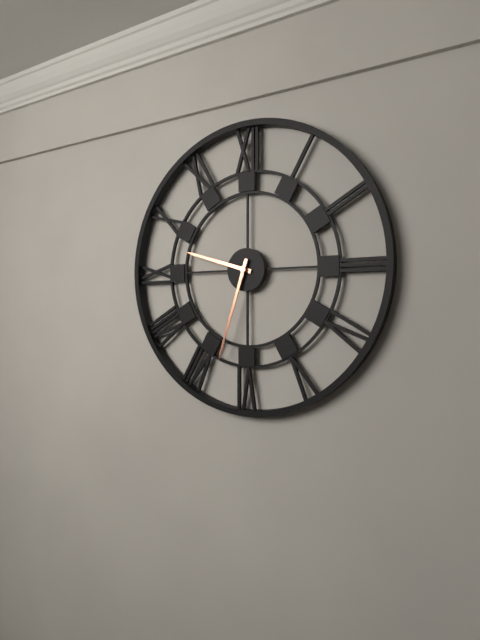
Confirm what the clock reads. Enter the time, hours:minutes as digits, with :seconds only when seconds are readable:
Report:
9:33
